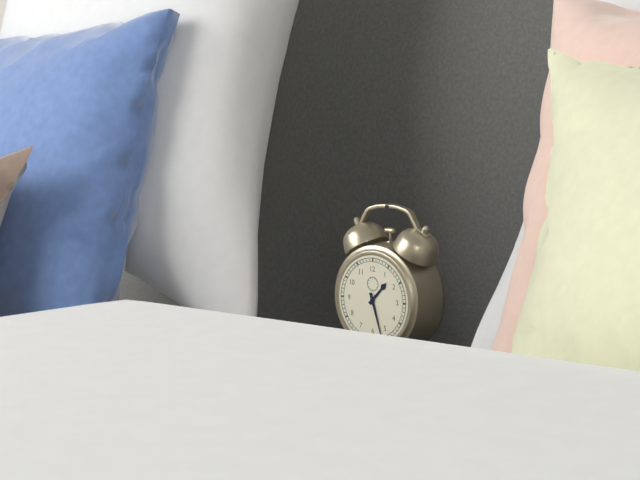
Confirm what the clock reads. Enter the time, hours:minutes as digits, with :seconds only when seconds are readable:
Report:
1:27
